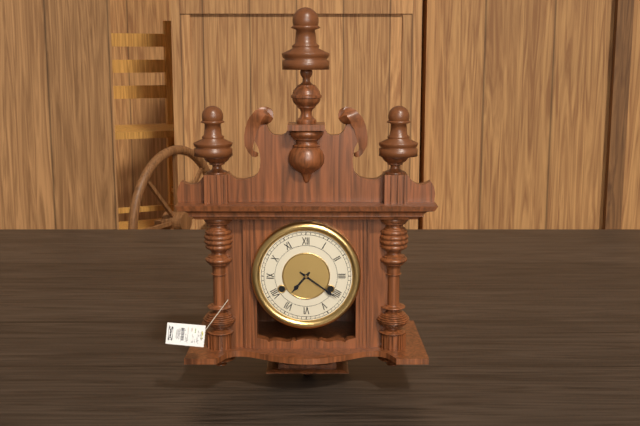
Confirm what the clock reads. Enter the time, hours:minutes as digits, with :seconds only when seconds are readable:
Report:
7:21
